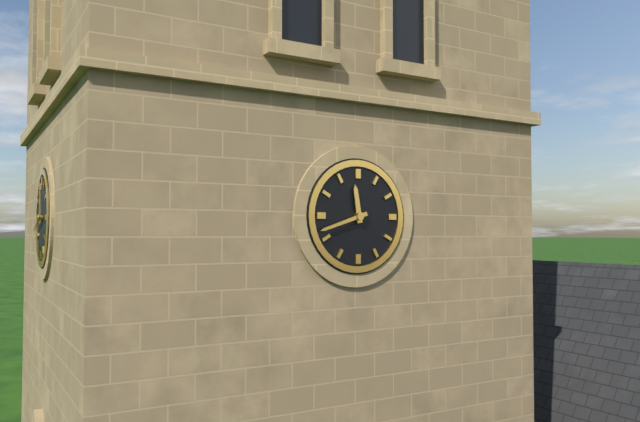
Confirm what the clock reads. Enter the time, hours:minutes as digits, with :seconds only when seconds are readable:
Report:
11:42
